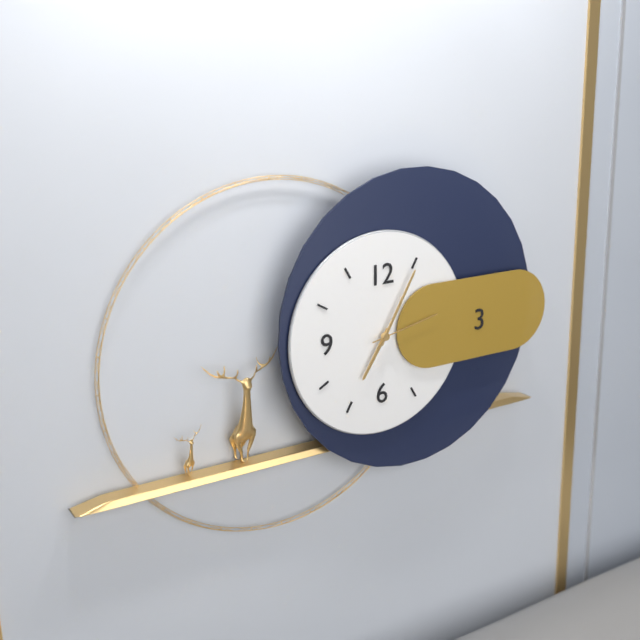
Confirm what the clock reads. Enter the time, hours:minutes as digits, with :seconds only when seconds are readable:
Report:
7:05:13
